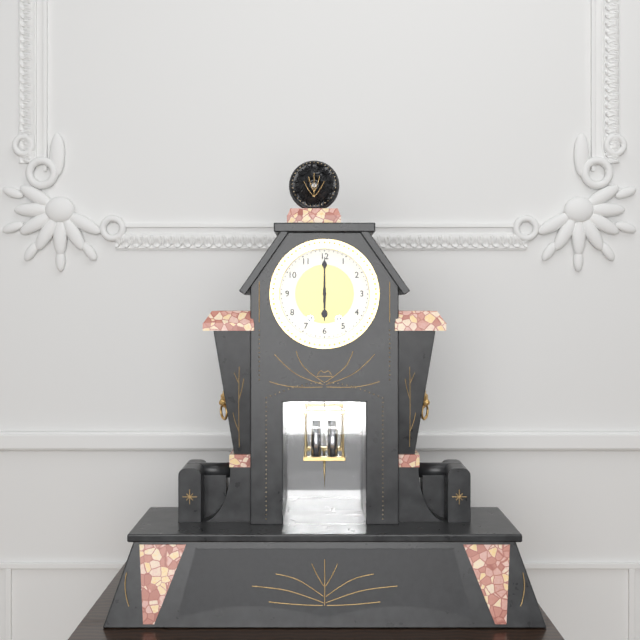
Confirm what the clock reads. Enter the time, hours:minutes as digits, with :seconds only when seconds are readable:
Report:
6:00
